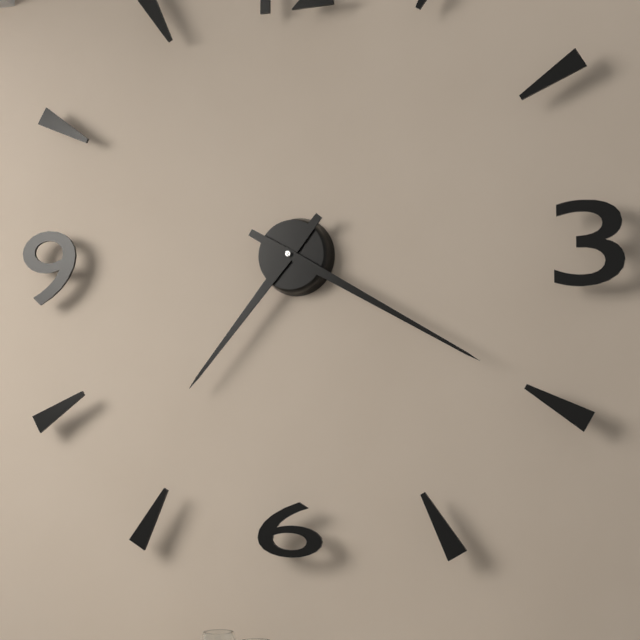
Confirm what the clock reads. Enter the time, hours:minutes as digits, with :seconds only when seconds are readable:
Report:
7:20
